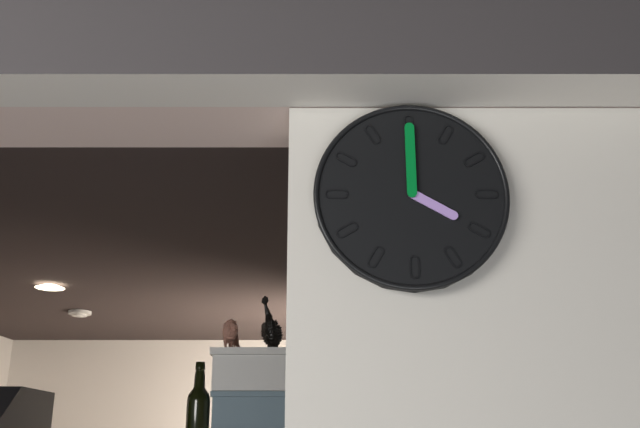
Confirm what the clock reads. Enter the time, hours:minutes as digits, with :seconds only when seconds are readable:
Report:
4:00
